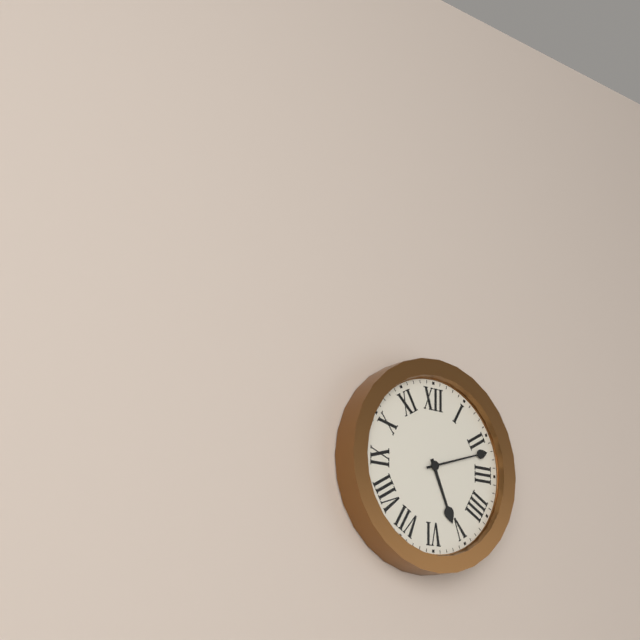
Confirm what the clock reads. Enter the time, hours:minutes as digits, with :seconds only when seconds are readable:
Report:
5:12
